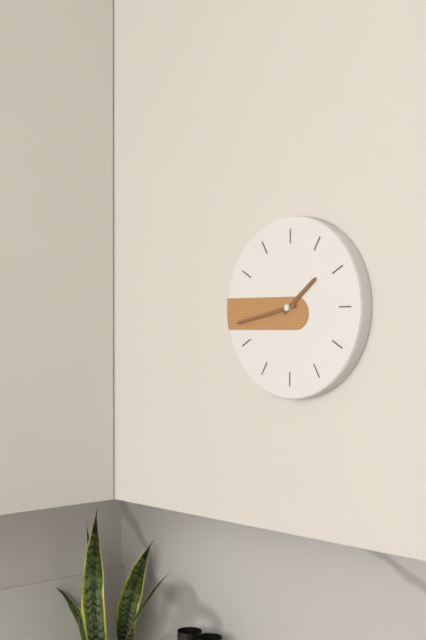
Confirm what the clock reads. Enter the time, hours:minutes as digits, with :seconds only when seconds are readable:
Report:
1:43
